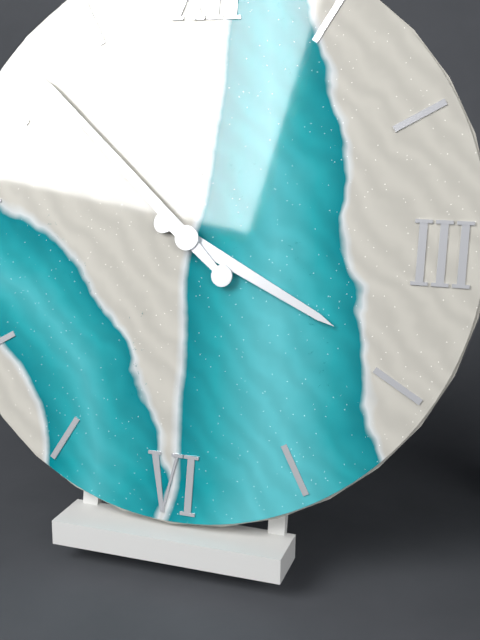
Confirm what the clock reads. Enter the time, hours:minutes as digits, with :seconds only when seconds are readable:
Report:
3:52
